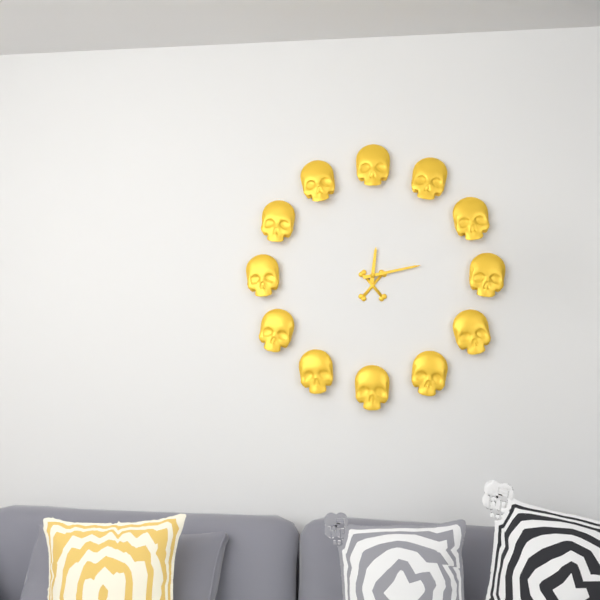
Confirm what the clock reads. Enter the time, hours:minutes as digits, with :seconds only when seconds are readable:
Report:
12:13
